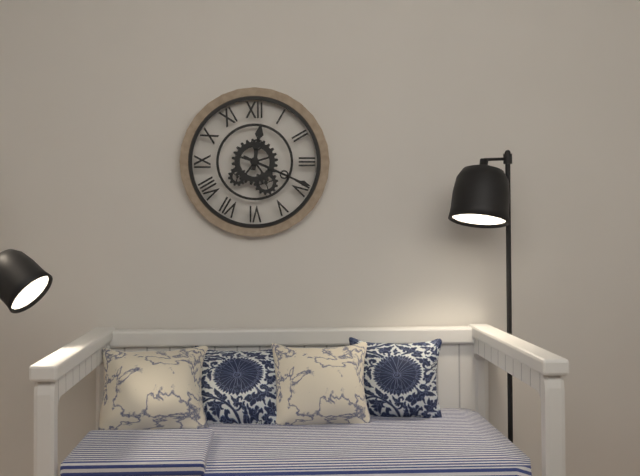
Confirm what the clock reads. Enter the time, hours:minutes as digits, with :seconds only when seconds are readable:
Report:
12:19
